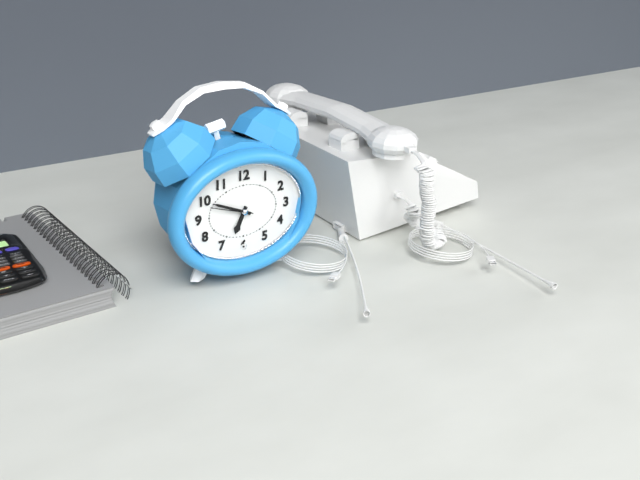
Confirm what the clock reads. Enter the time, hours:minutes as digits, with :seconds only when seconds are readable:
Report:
6:49
